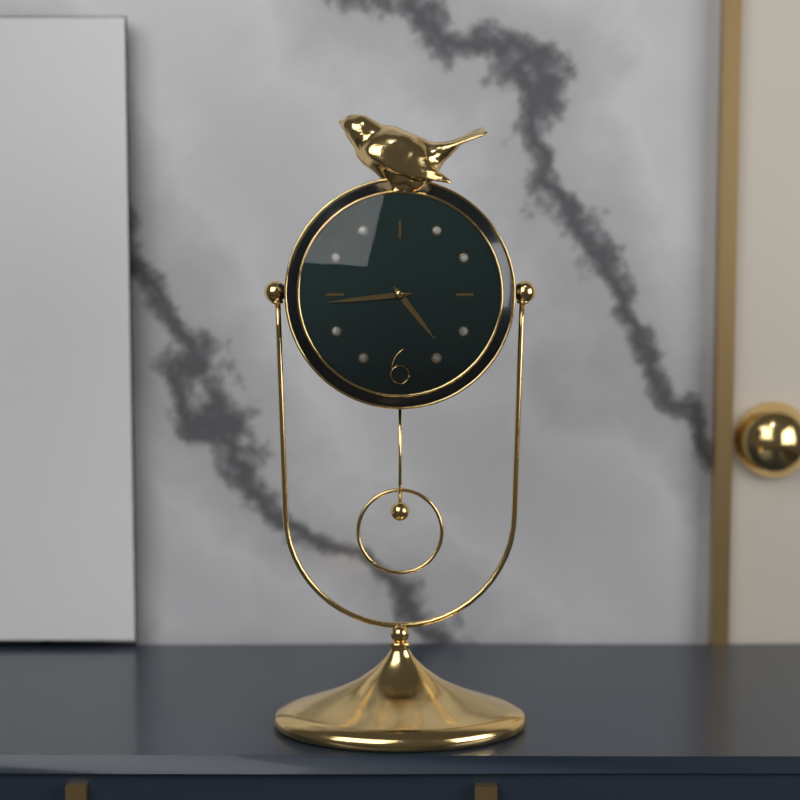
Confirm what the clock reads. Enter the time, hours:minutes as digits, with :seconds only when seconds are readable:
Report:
4:44
